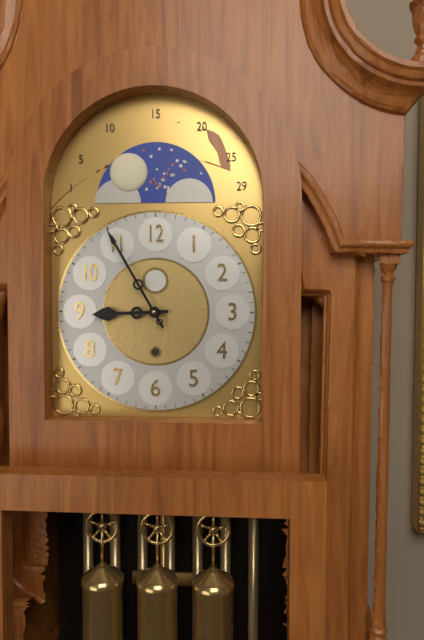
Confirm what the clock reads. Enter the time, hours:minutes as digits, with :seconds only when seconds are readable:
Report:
8:55
